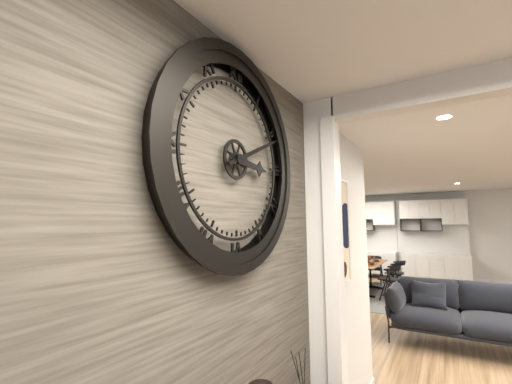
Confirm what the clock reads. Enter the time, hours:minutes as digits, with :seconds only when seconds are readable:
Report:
3:11
